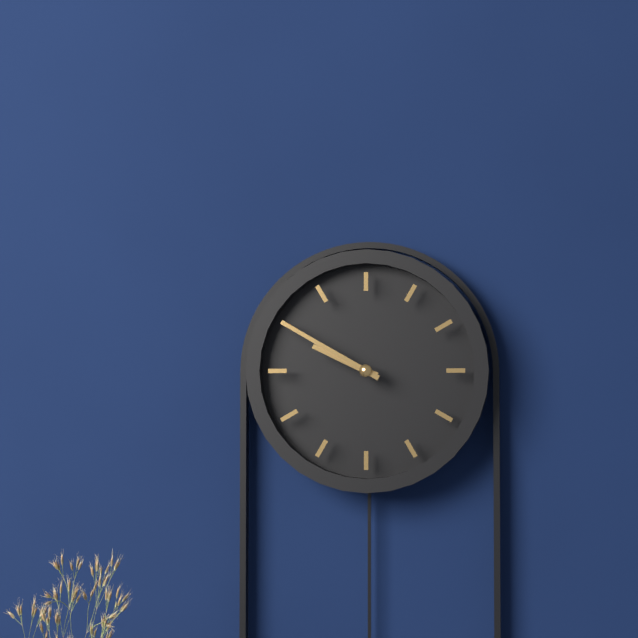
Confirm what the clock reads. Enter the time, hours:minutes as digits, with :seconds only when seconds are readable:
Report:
9:50
